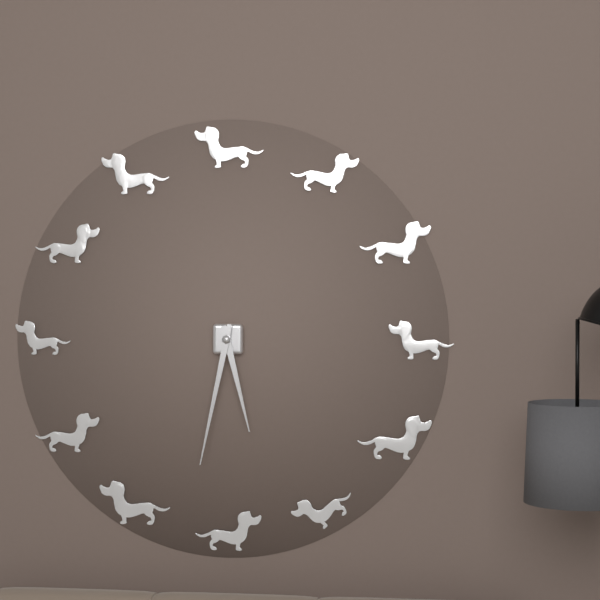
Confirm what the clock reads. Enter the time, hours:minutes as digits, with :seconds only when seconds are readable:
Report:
5:32
